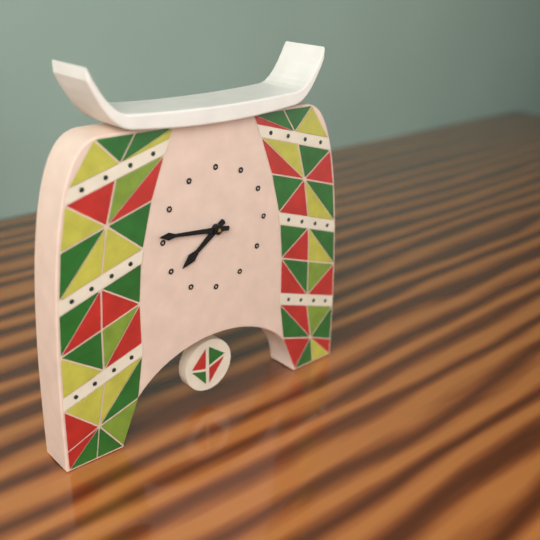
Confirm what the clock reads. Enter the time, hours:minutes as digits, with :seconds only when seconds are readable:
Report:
7:46
